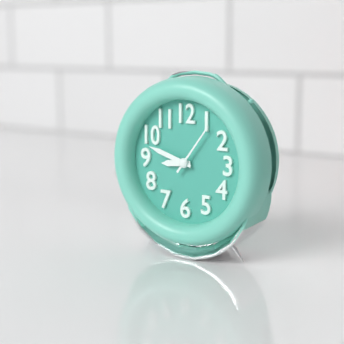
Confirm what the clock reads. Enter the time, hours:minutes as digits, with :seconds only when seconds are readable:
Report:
8:48:06
